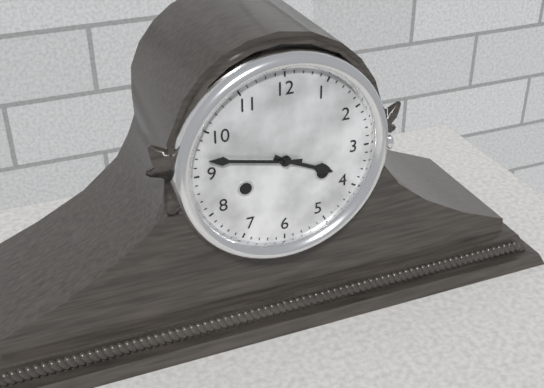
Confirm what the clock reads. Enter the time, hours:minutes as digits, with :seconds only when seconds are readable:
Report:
3:47
